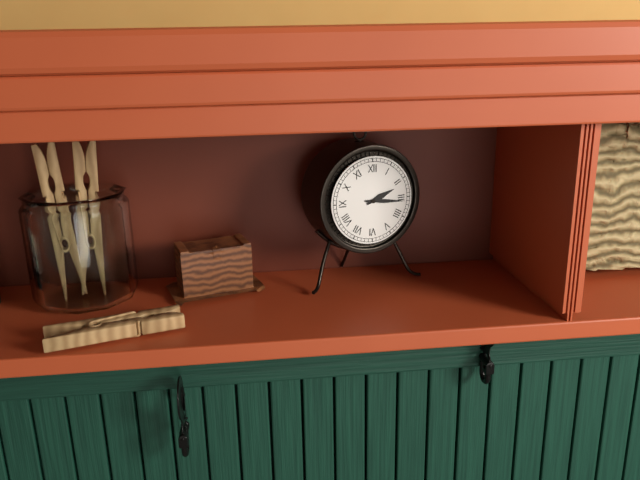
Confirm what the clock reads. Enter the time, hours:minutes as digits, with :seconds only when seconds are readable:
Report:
2:16
